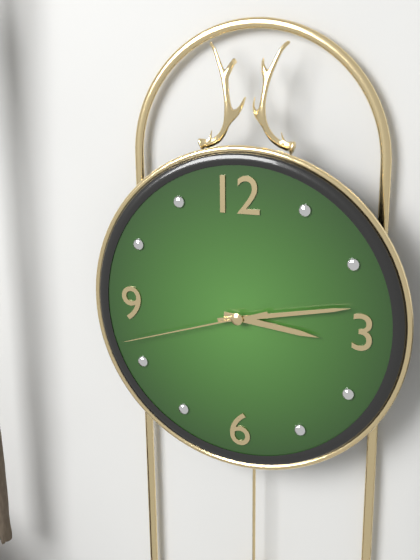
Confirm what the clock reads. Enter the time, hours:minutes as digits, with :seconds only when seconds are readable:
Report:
3:13:42
